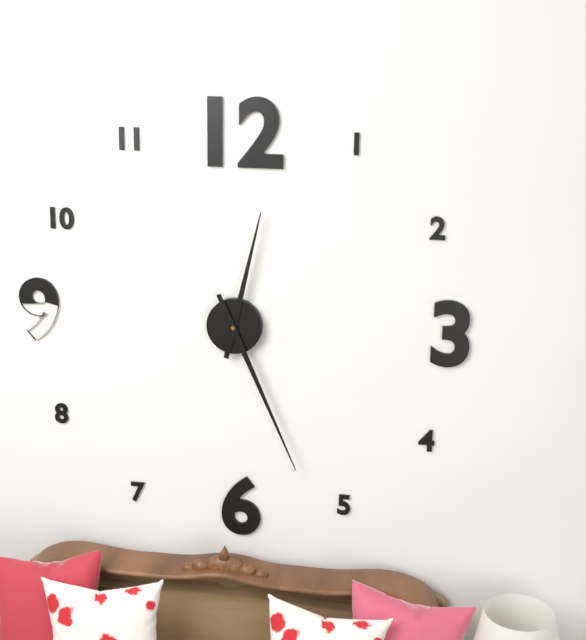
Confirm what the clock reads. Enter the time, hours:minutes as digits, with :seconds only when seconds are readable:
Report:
12:26
